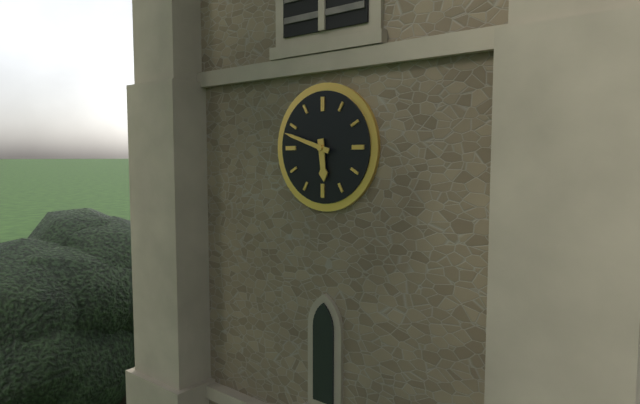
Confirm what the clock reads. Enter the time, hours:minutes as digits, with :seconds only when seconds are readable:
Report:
5:48
